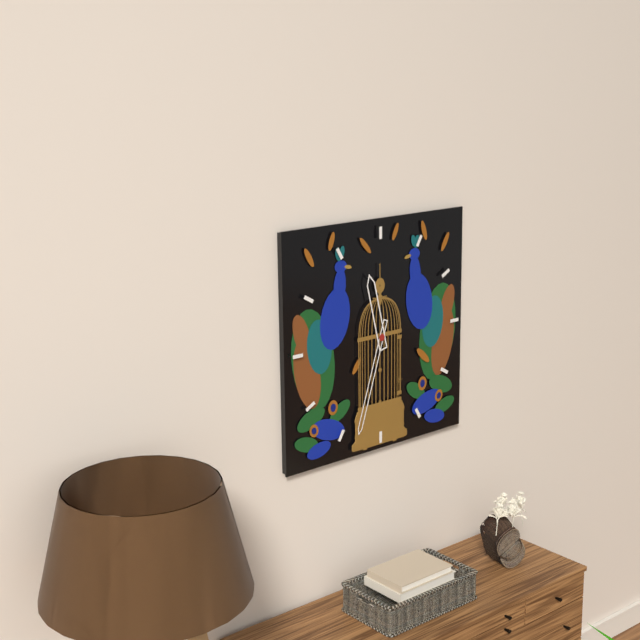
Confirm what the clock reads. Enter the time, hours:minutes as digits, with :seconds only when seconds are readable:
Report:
11:33
